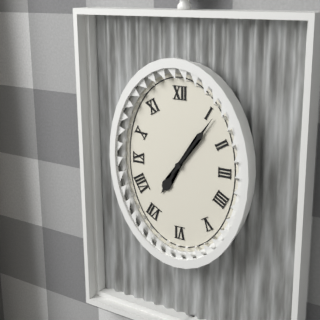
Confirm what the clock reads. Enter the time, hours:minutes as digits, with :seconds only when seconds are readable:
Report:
7:06
